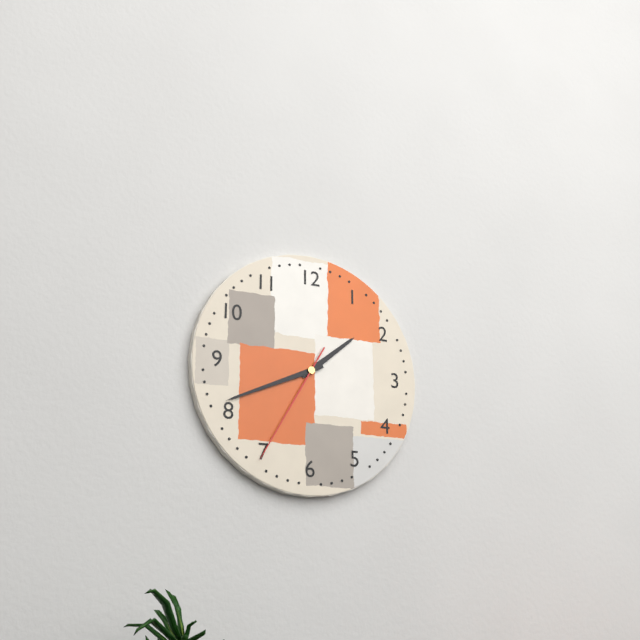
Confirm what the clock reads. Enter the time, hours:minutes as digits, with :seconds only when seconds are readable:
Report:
1:41:35
